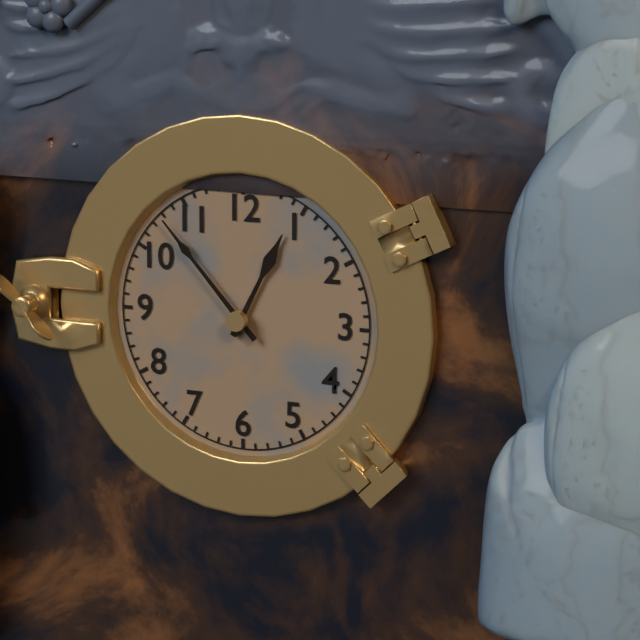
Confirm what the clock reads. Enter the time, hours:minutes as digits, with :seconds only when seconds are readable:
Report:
12:53
